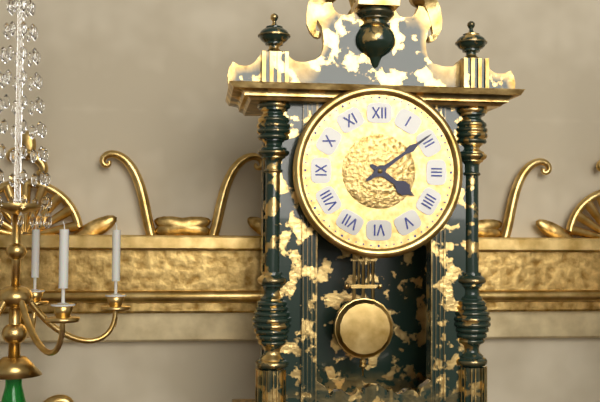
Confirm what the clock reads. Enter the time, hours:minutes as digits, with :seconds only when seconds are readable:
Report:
4:09
